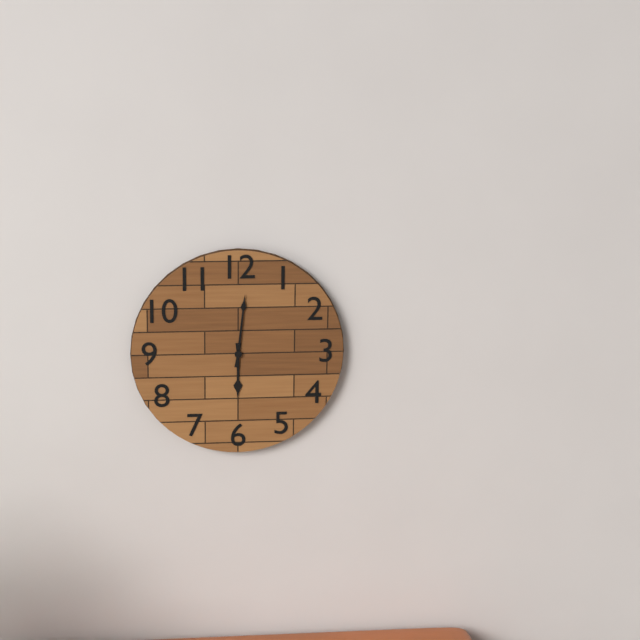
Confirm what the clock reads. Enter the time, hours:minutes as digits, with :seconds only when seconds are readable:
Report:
6:01
